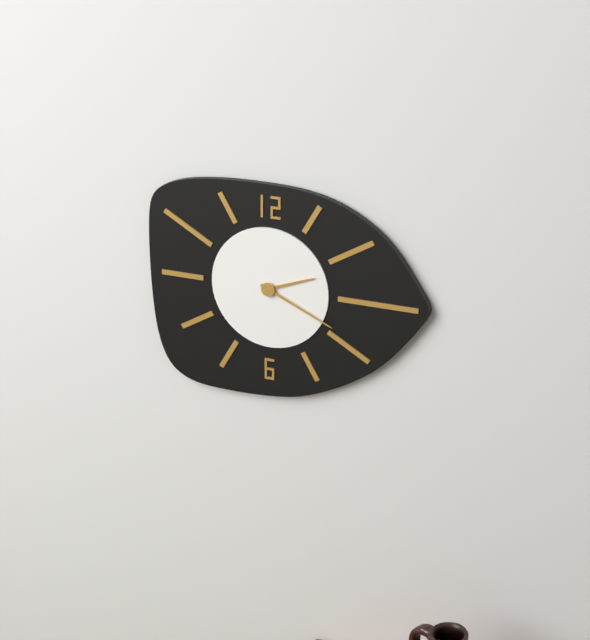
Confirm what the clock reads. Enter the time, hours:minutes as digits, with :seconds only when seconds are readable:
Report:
2:19
